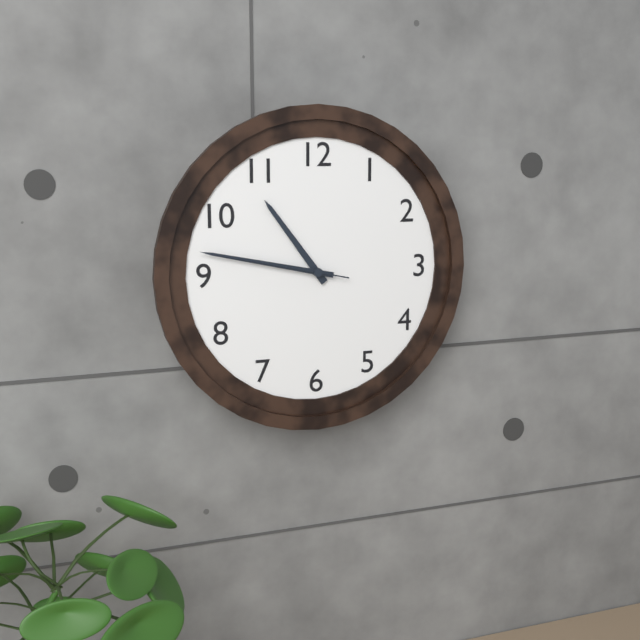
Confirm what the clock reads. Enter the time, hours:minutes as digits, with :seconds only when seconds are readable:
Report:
10:47:47
